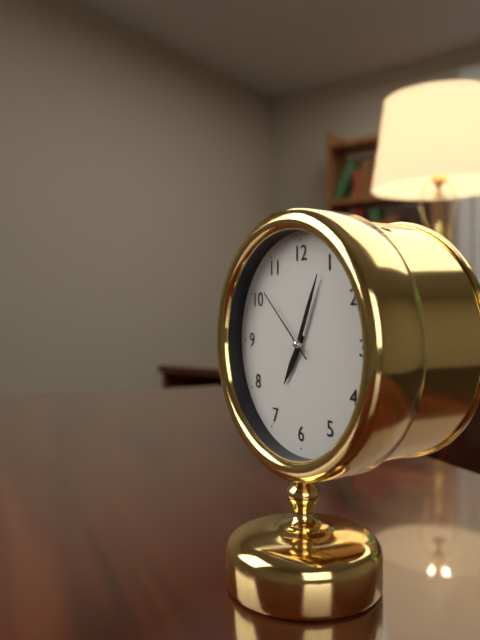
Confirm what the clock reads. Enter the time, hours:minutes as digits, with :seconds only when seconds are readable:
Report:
7:04:52
